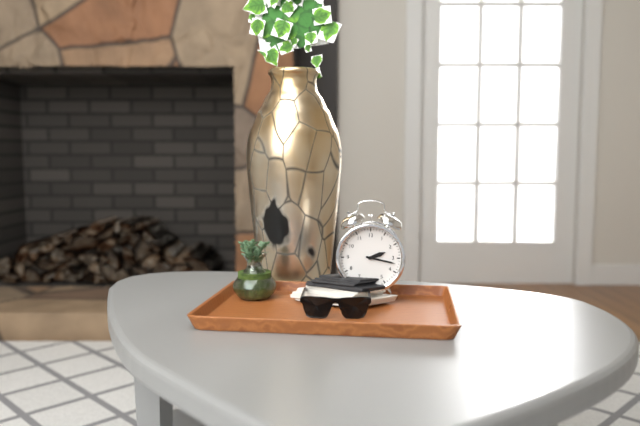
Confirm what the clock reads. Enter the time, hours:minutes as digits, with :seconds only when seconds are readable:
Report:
2:17
